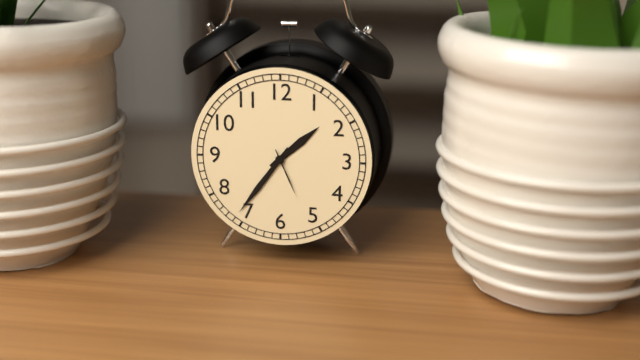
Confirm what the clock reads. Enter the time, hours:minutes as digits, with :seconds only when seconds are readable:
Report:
1:36:26
